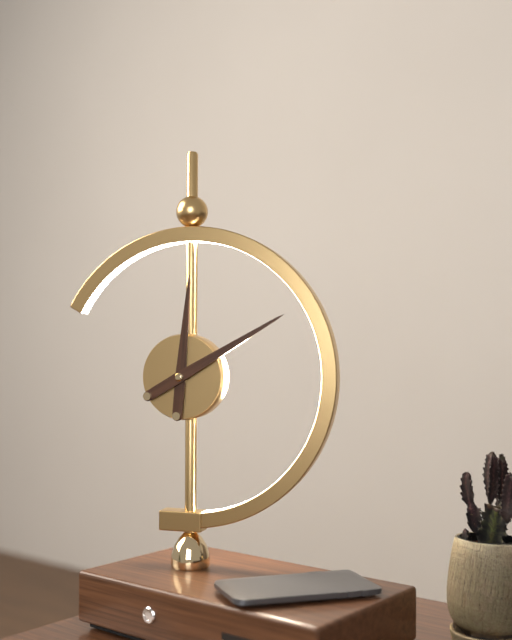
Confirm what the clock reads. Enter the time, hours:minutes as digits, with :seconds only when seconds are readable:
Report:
12:10
